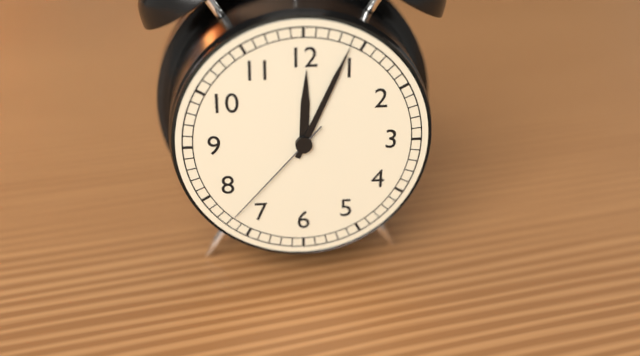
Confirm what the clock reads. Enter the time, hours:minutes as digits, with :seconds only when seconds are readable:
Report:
12:04:37
